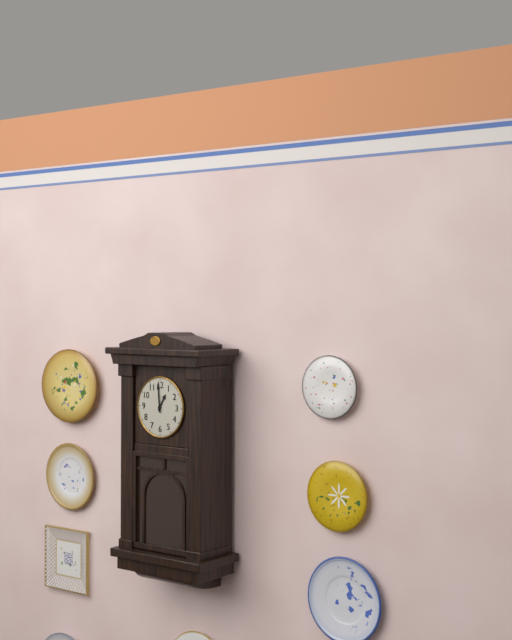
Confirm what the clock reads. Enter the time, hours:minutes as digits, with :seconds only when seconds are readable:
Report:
12:59
